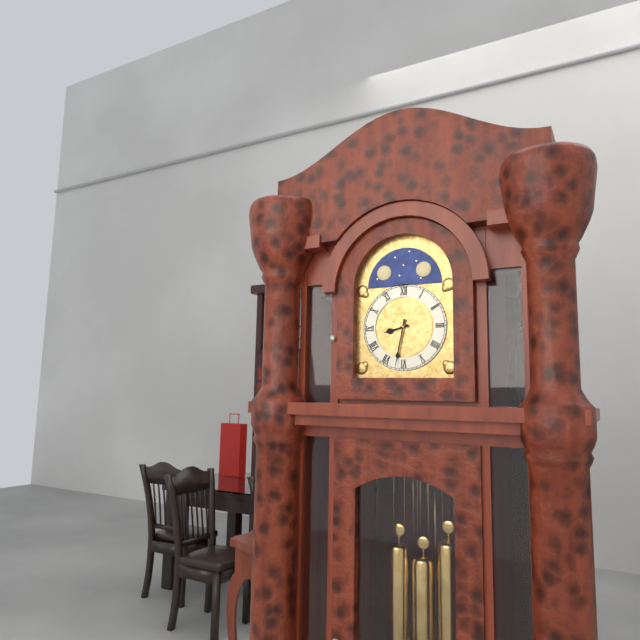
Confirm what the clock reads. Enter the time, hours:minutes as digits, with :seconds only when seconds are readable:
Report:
8:32
